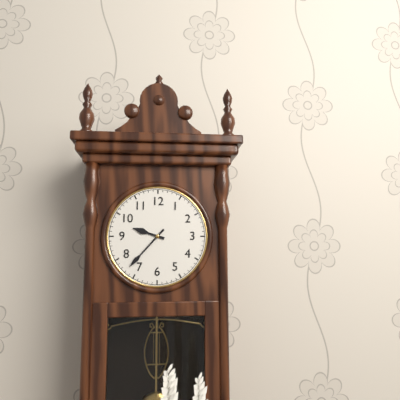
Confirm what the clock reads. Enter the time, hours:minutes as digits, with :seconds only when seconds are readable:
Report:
9:37
